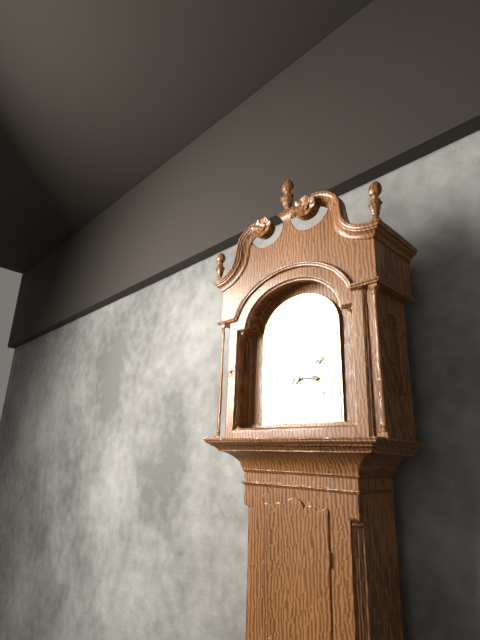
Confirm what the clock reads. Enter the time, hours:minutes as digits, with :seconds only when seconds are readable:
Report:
3:10
